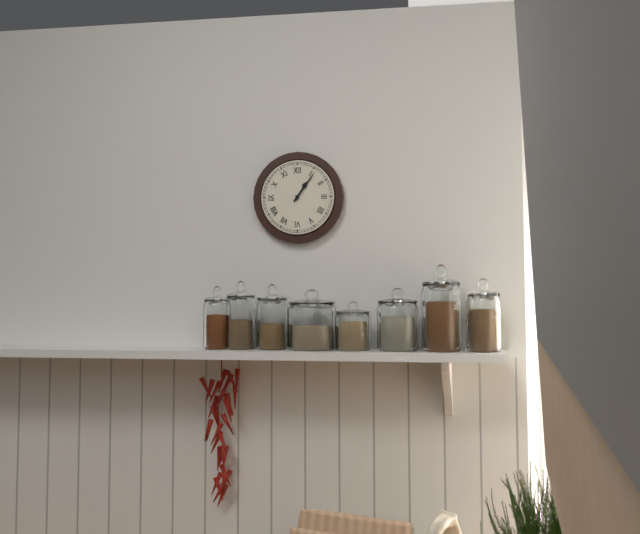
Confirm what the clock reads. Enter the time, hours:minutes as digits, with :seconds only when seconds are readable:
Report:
1:06
